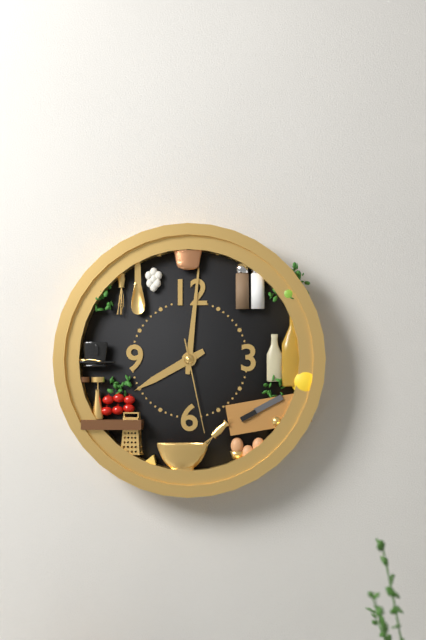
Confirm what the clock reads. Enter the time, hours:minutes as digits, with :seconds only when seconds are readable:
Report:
8:01:28
